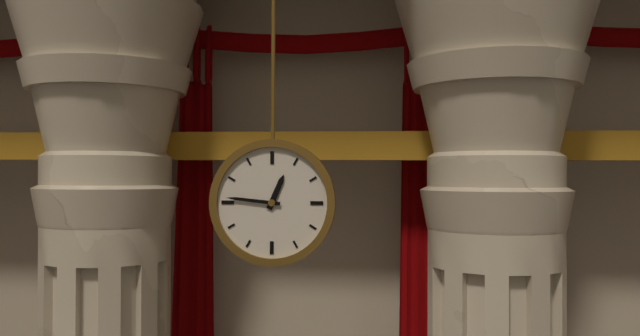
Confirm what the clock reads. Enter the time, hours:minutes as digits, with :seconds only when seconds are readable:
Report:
12:46
